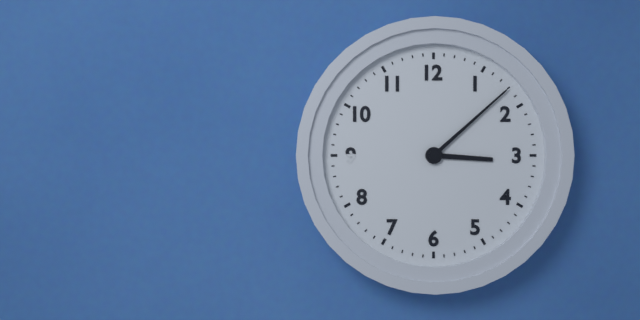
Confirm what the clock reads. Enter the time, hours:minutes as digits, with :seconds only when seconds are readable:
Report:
3:08
